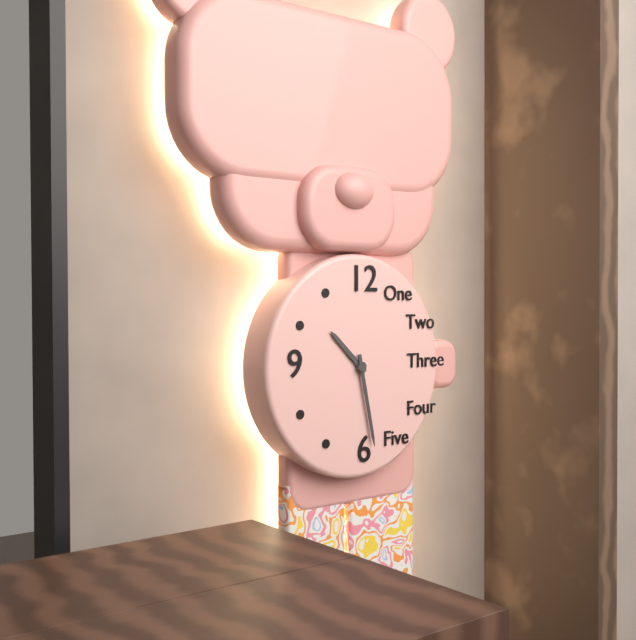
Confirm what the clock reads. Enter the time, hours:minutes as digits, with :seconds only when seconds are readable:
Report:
10:28
